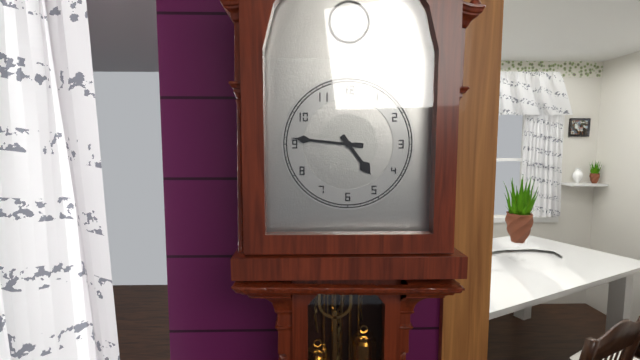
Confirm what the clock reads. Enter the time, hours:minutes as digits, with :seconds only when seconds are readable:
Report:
4:46
